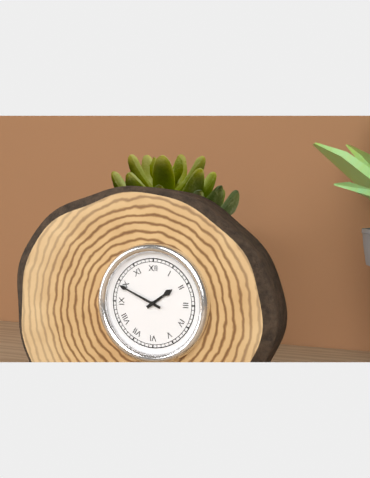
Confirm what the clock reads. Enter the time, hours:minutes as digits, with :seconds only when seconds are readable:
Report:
1:49
